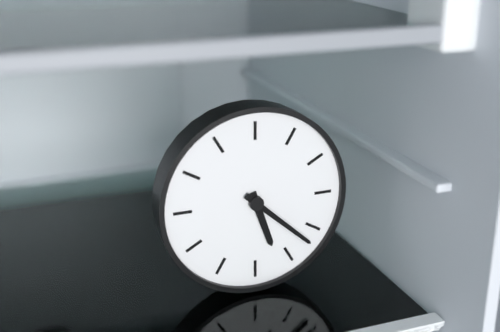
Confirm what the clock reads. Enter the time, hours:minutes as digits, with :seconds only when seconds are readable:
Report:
5:22
